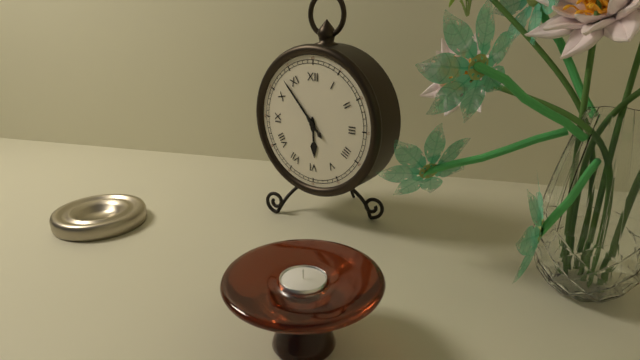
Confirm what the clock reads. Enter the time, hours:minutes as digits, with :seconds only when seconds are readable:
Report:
5:53
